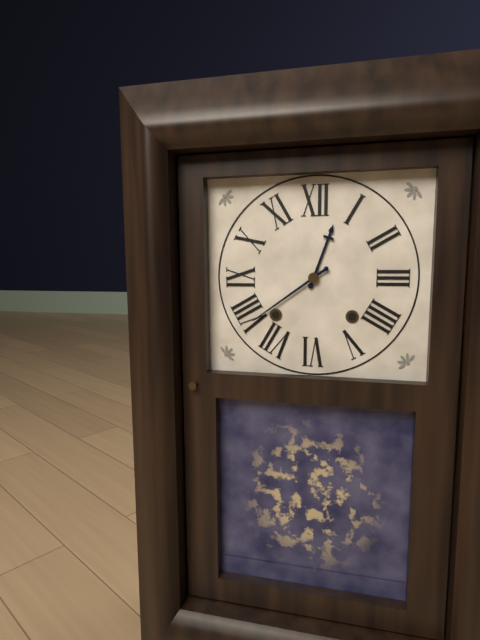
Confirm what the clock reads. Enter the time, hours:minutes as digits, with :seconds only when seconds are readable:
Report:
12:39
